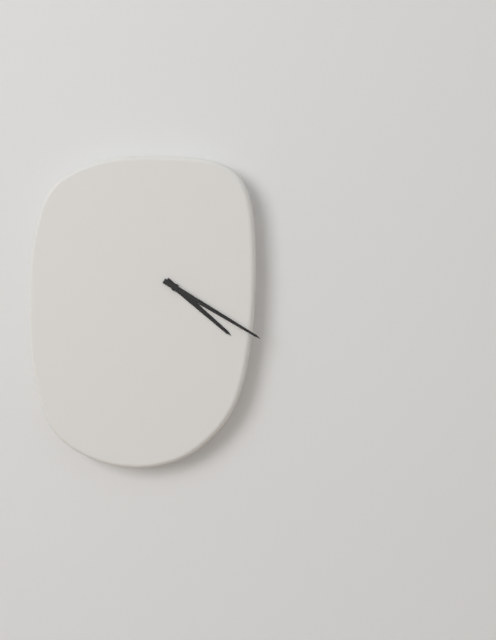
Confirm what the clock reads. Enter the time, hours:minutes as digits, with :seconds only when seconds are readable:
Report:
4:20
